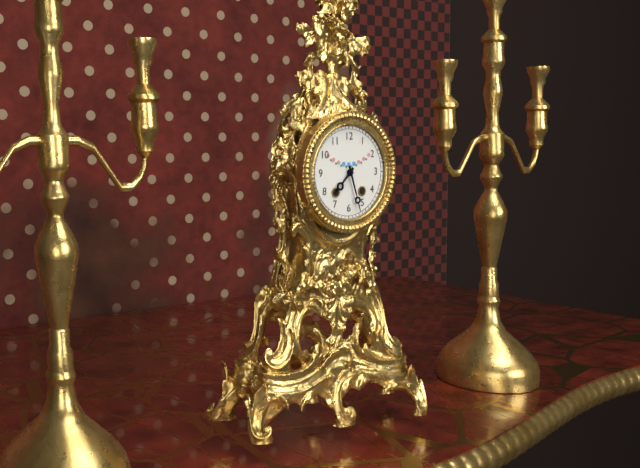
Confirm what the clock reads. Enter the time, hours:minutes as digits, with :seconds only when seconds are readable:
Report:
7:27
